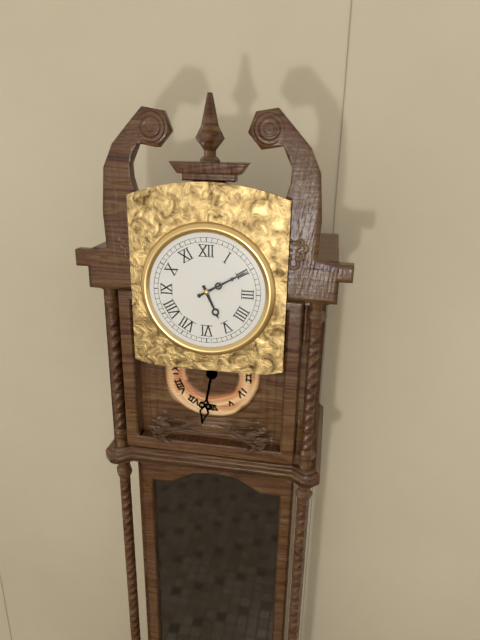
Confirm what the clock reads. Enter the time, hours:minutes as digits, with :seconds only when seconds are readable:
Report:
5:10
